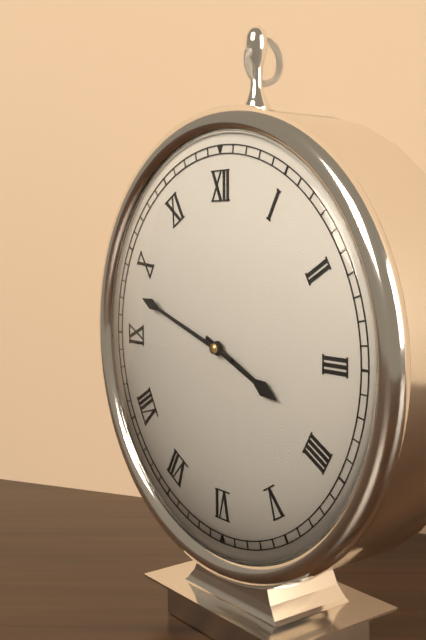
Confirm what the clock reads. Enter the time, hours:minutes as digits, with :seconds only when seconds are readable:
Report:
3:48
